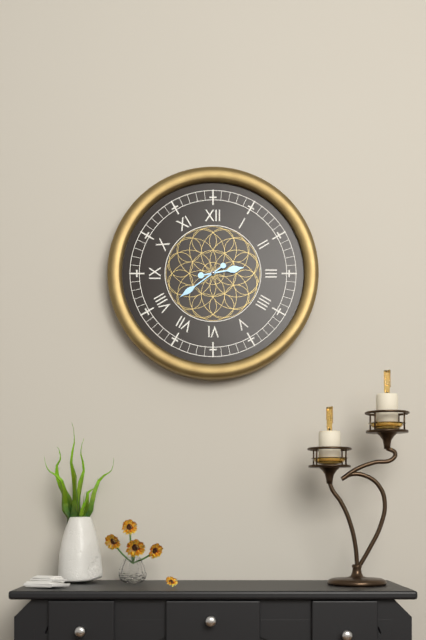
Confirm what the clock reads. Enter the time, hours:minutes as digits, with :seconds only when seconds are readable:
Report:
2:39
